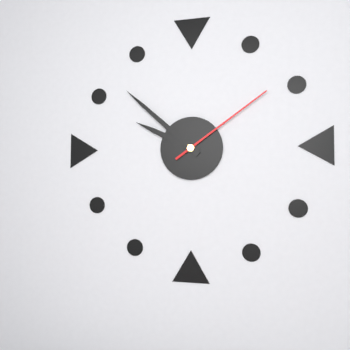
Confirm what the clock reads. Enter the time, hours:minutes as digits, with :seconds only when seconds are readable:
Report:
9:52:09
